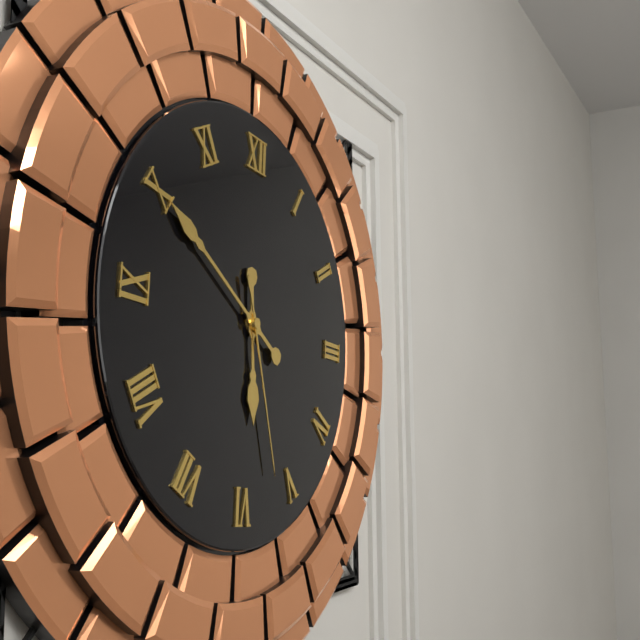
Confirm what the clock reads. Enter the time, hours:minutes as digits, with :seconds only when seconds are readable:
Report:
5:50:27
